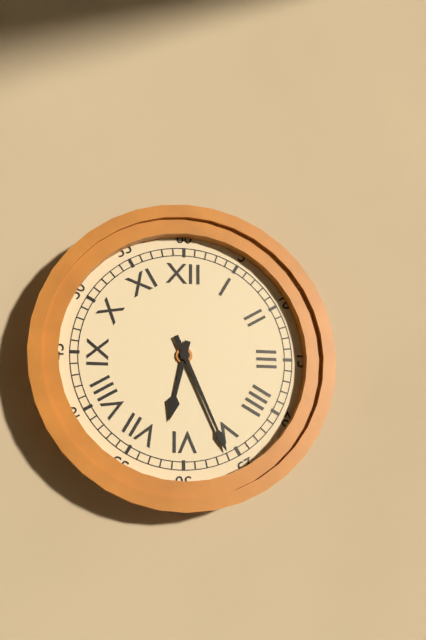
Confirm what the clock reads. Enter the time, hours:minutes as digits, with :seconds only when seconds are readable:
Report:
6:26
